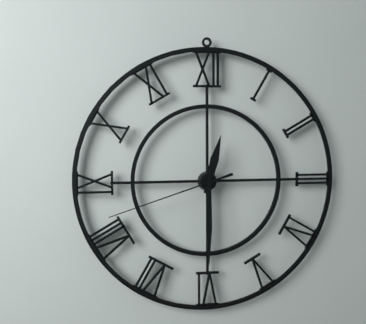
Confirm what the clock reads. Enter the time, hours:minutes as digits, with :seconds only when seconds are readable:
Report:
12:30:42
